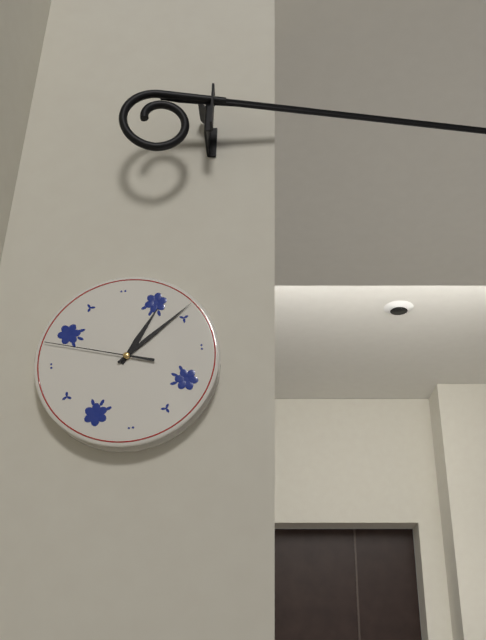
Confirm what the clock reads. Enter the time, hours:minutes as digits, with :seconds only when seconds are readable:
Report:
1:09:48
